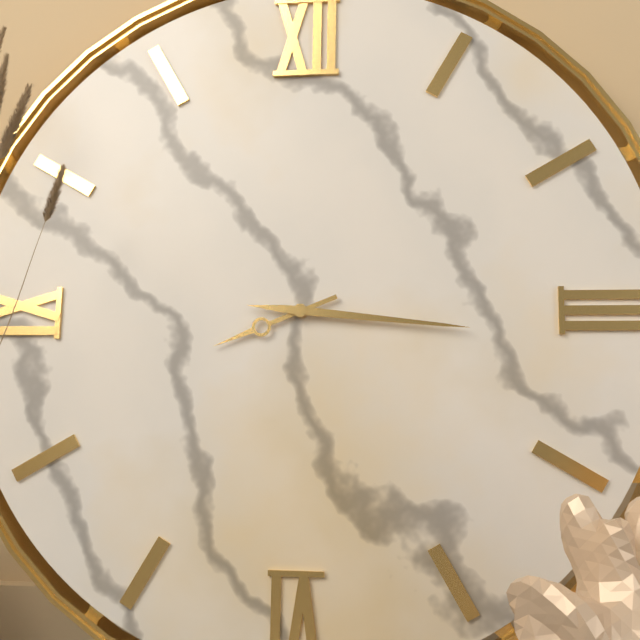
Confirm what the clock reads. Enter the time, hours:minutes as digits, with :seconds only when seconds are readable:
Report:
8:16
